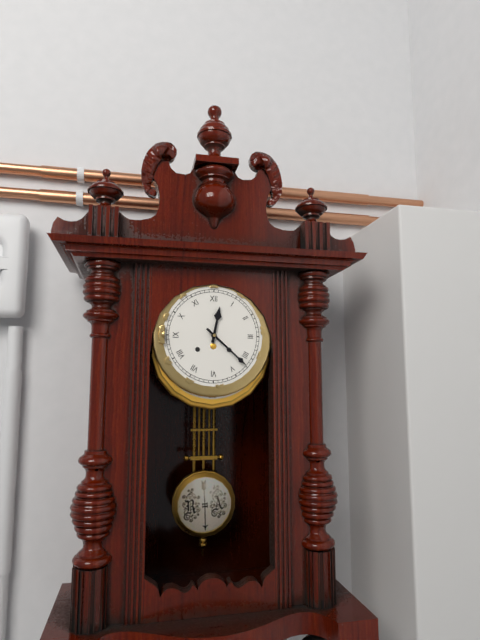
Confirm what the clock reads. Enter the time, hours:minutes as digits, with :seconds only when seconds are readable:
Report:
12:22
